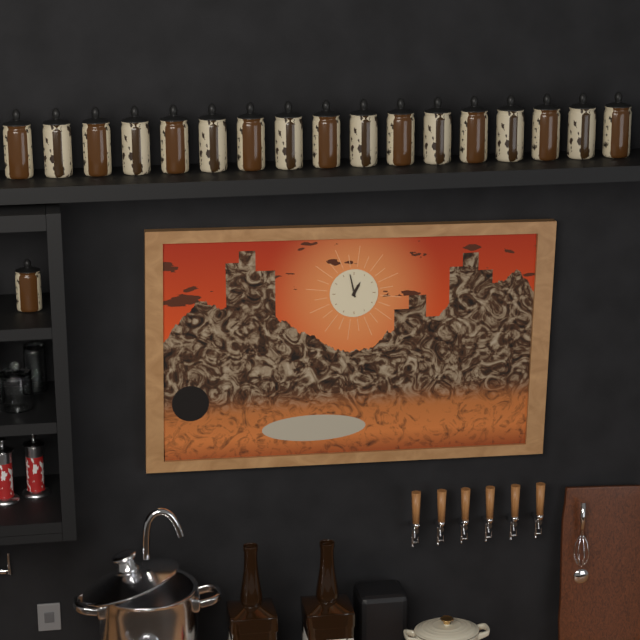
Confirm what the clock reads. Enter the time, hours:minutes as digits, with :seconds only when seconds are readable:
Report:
12:58
